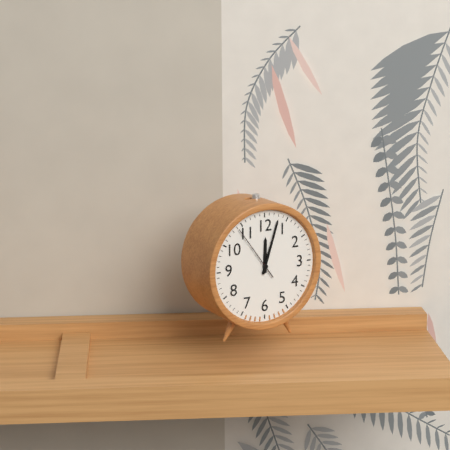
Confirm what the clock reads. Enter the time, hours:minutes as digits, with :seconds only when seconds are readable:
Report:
12:03:54
